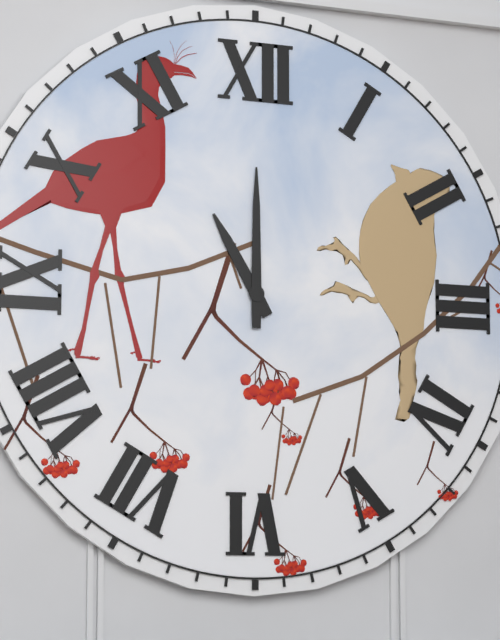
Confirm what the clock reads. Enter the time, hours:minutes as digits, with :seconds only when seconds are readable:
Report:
11:00
